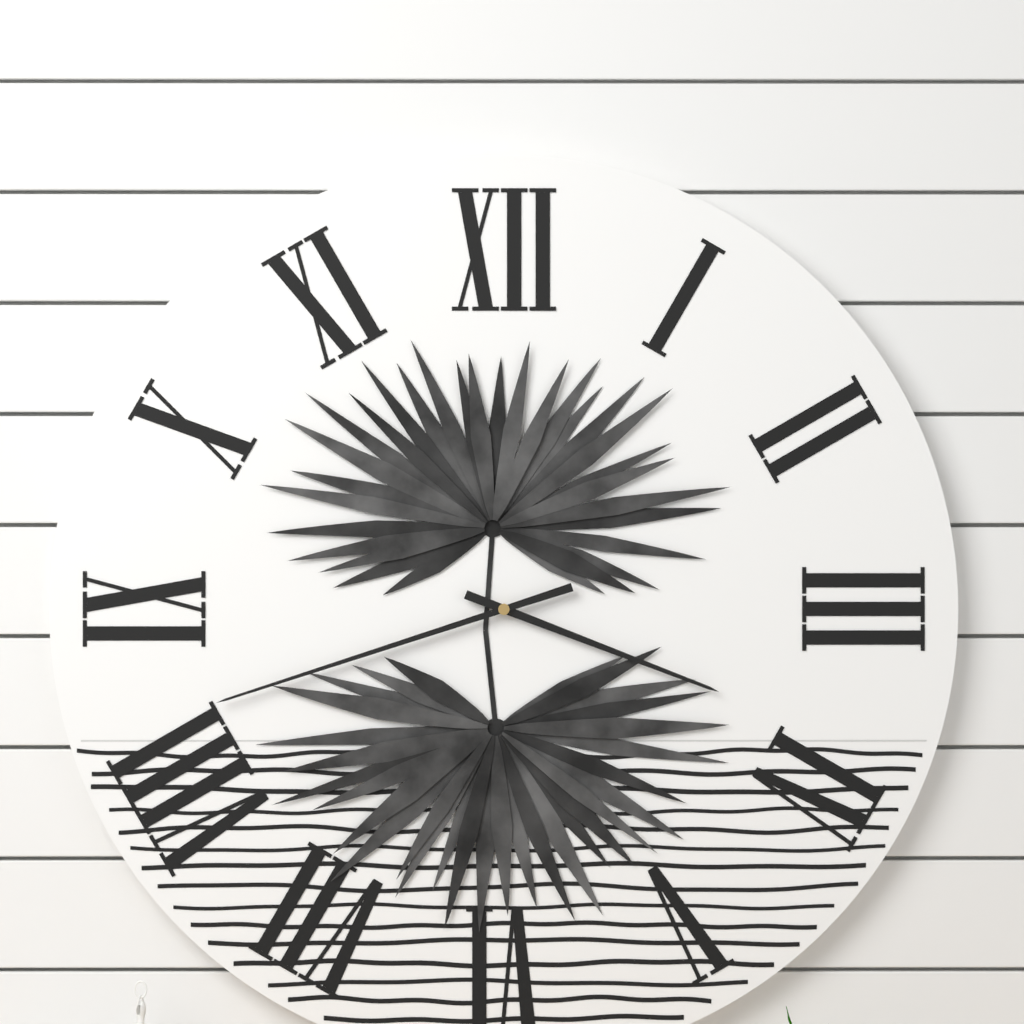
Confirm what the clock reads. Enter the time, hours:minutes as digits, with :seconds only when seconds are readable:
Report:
3:42
